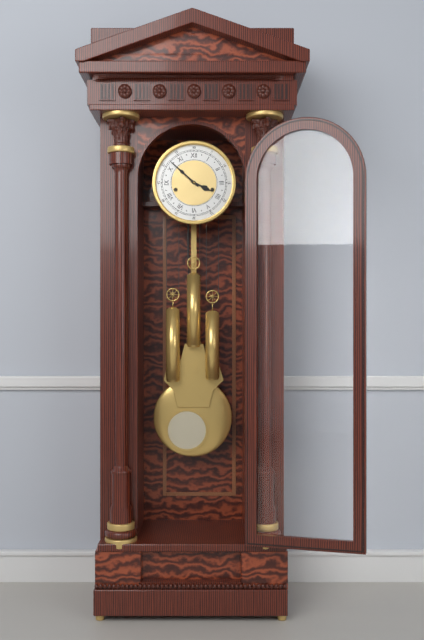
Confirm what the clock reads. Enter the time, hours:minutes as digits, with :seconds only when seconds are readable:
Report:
3:52
